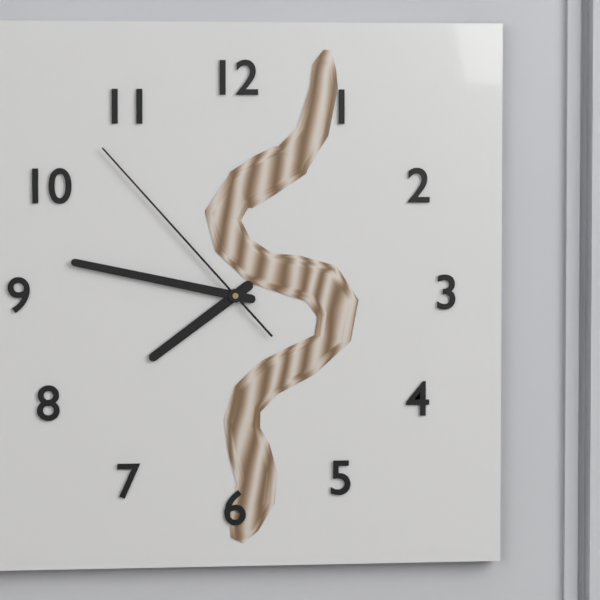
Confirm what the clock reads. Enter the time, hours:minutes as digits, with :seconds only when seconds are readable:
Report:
7:47:53
